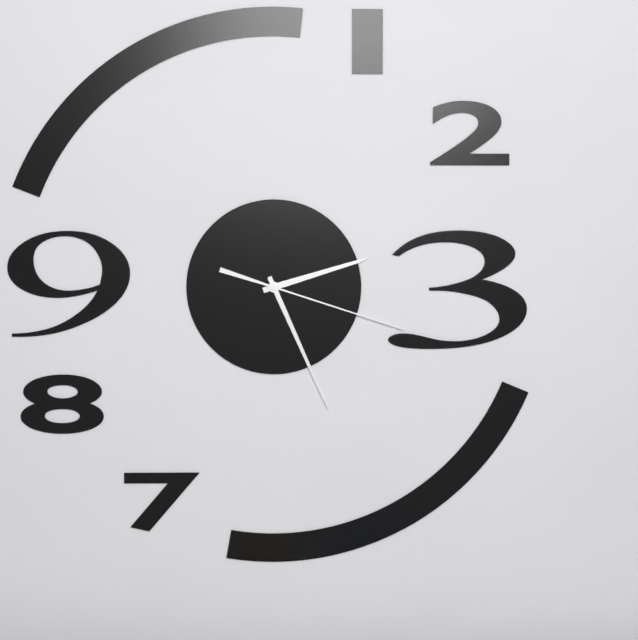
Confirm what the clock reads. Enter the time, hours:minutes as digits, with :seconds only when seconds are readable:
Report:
2:26:18
